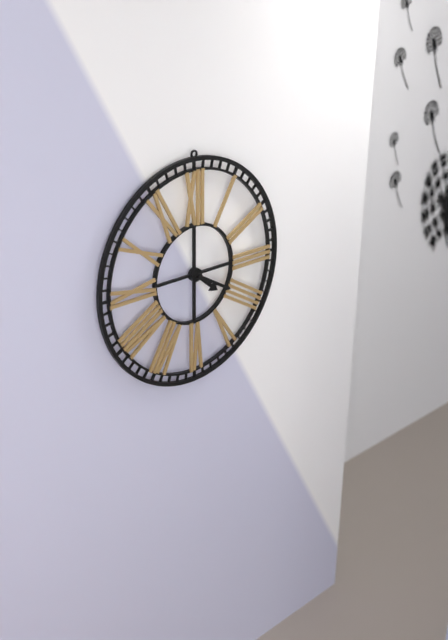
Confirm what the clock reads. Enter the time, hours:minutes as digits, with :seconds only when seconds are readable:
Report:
4:20
